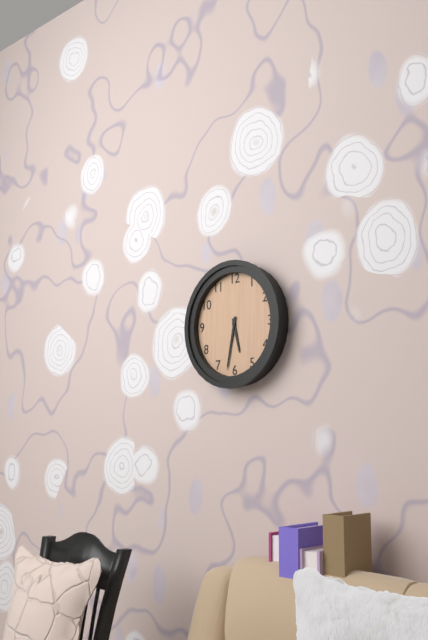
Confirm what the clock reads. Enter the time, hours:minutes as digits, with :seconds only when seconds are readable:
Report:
5:32
